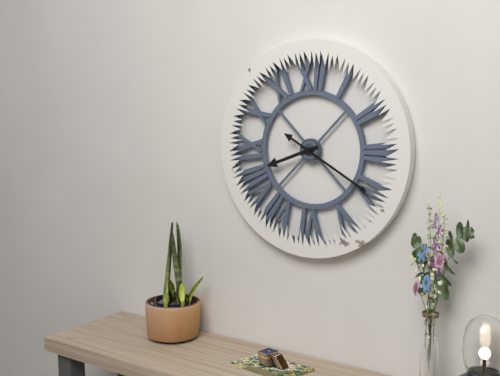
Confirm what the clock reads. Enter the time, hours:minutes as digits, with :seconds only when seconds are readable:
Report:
8:20
